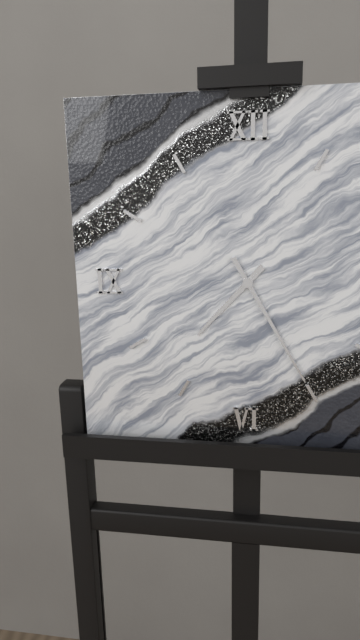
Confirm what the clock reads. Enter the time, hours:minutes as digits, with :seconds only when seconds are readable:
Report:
7:25
